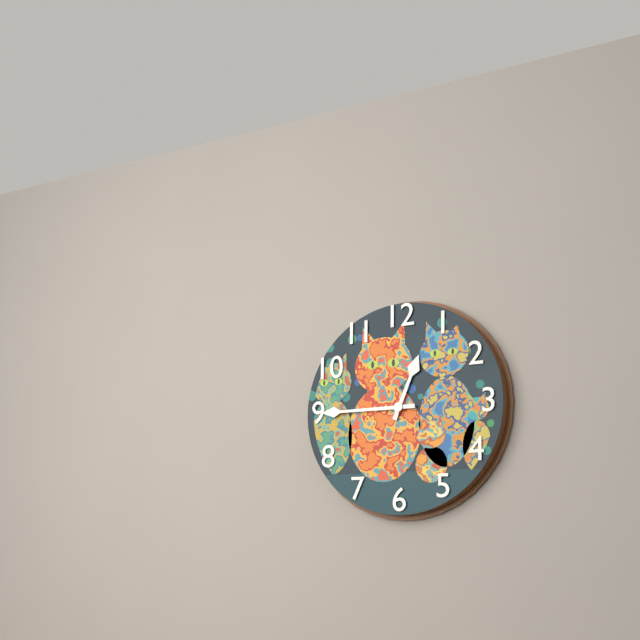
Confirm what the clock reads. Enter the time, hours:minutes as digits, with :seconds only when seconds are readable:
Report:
12:45
